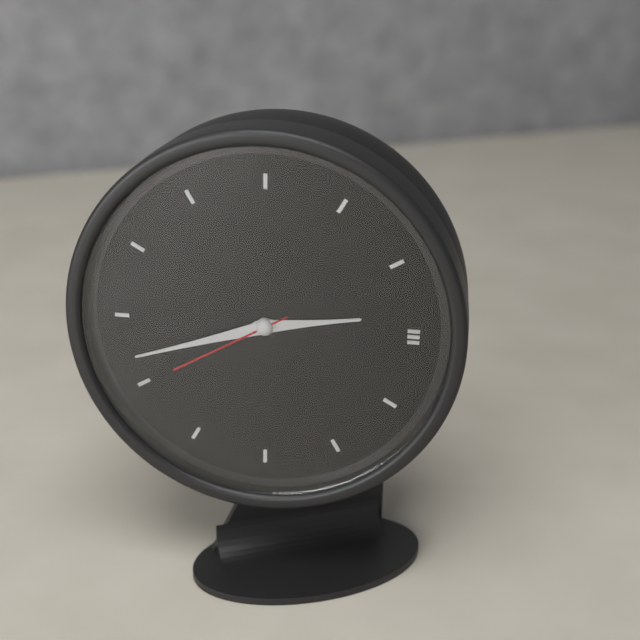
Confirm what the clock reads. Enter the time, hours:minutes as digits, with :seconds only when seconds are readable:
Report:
2:42:40
